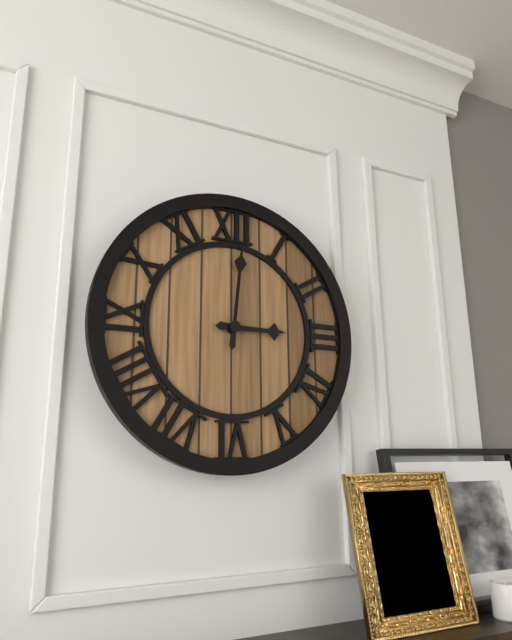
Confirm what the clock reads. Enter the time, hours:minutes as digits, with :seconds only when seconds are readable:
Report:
3:01
